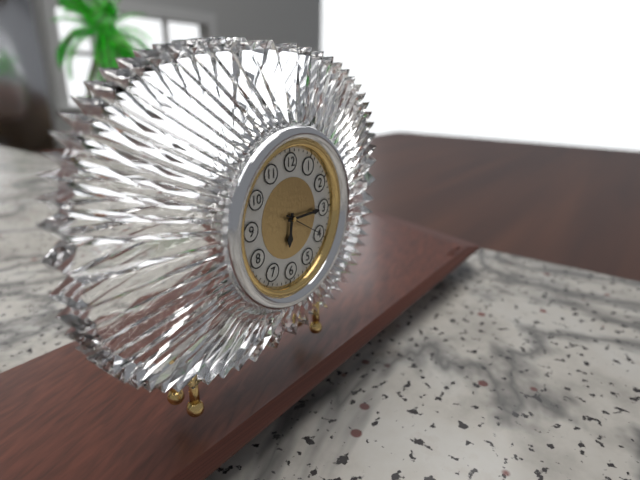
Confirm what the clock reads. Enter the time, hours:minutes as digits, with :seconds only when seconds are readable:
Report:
6:15
